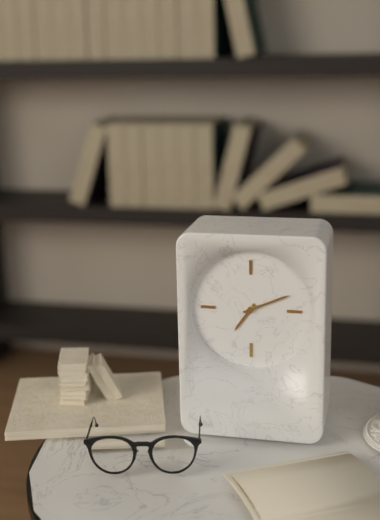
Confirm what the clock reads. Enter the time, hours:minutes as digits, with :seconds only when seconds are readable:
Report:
7:11
